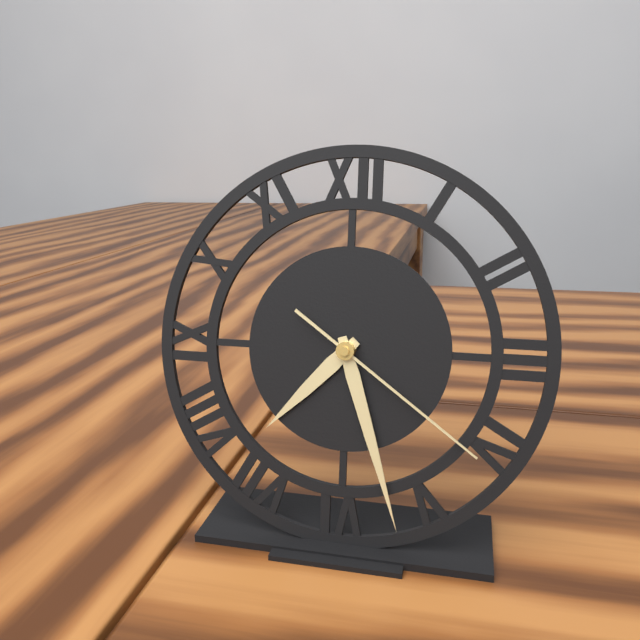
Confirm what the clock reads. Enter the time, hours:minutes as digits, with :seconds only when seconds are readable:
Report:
7:27:21
